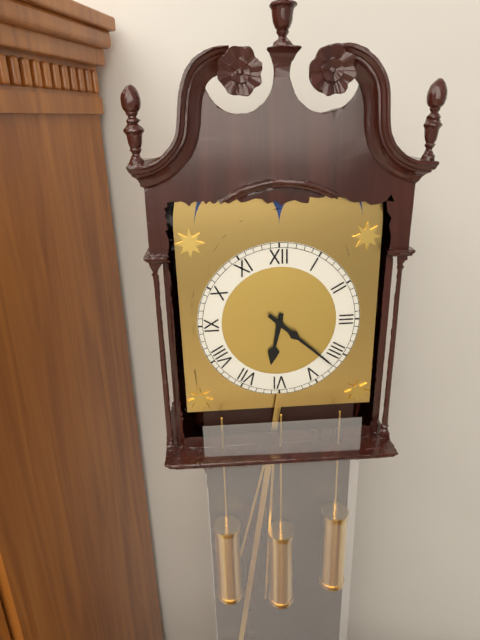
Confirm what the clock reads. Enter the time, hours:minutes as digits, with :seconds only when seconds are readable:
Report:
6:22
